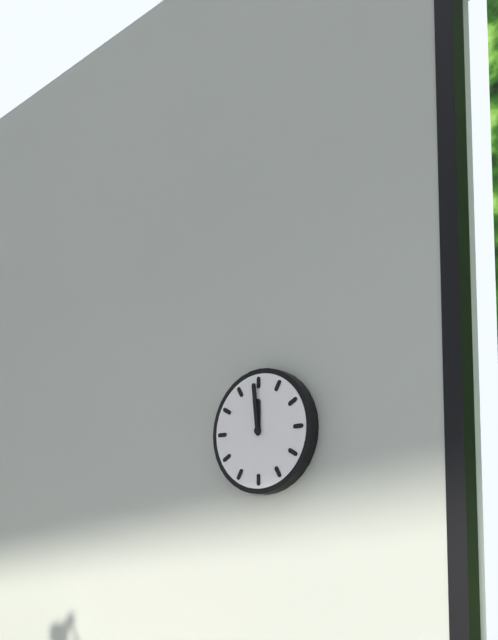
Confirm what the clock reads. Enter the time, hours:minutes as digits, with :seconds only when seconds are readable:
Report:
11:59
